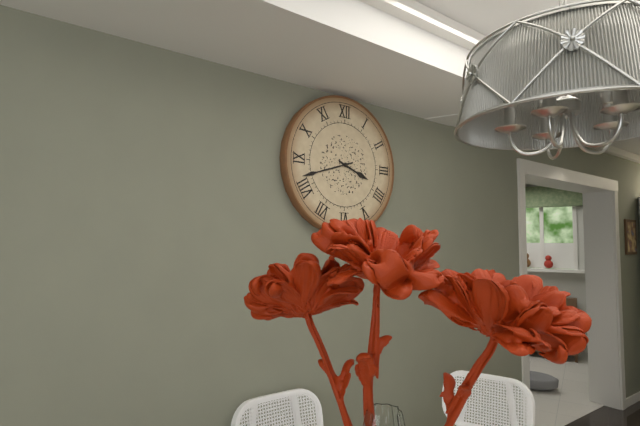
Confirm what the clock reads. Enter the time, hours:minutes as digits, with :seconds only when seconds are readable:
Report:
3:42
